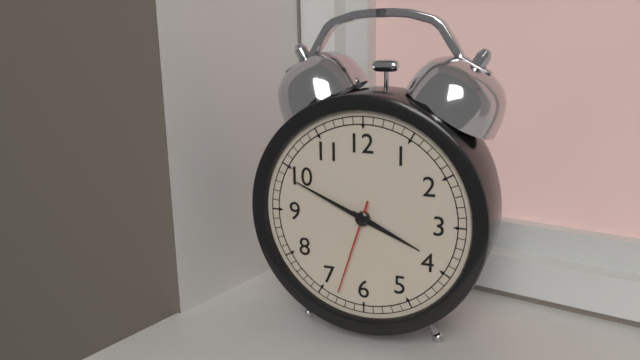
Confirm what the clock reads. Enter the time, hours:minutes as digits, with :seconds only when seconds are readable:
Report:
3:49:33
